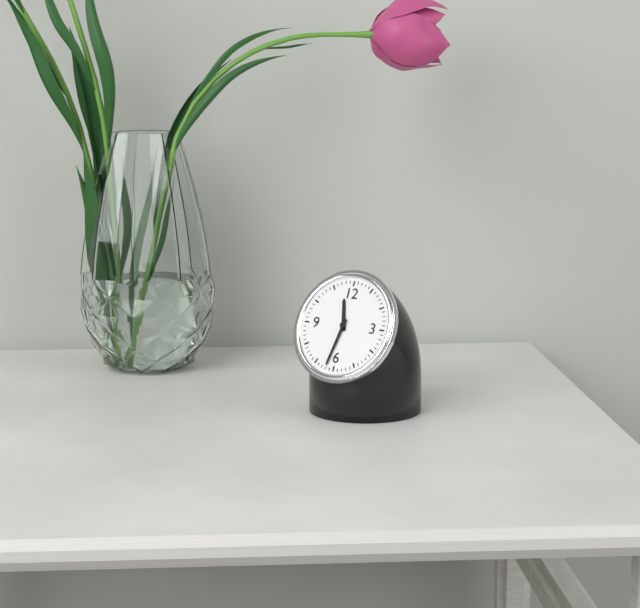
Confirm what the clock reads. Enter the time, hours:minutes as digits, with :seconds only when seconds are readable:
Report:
11:32
